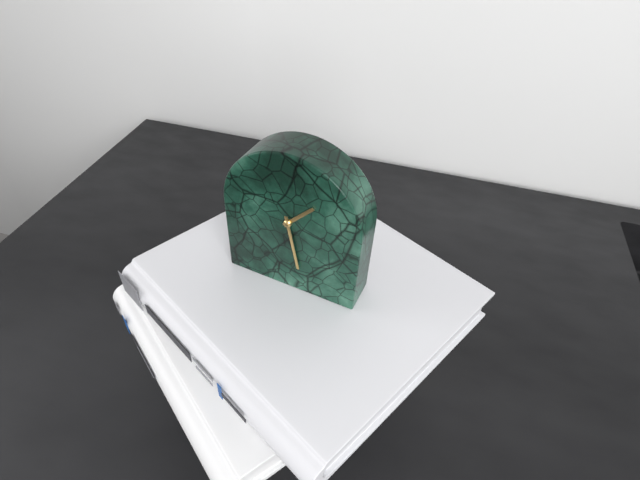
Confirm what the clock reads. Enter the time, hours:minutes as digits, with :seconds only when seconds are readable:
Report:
1:28
